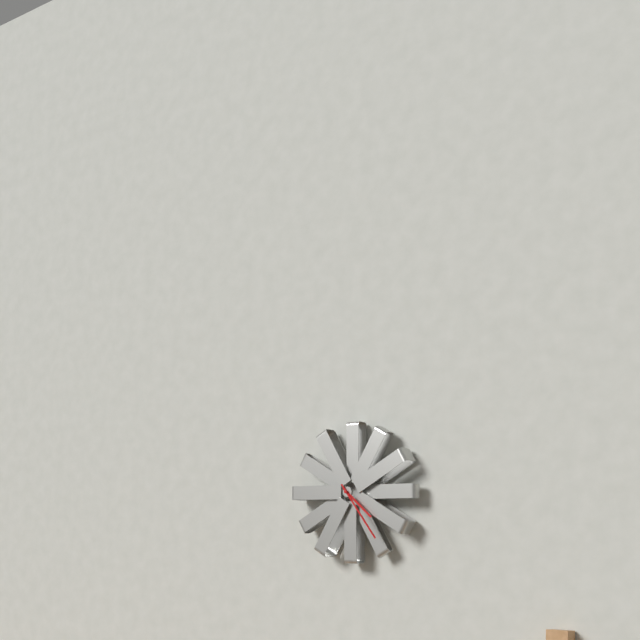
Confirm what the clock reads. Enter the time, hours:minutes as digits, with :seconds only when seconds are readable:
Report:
4:24
